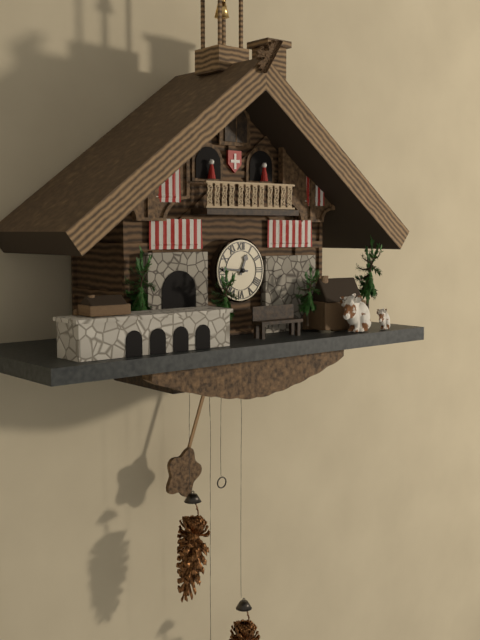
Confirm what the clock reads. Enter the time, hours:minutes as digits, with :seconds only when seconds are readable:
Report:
12:46
